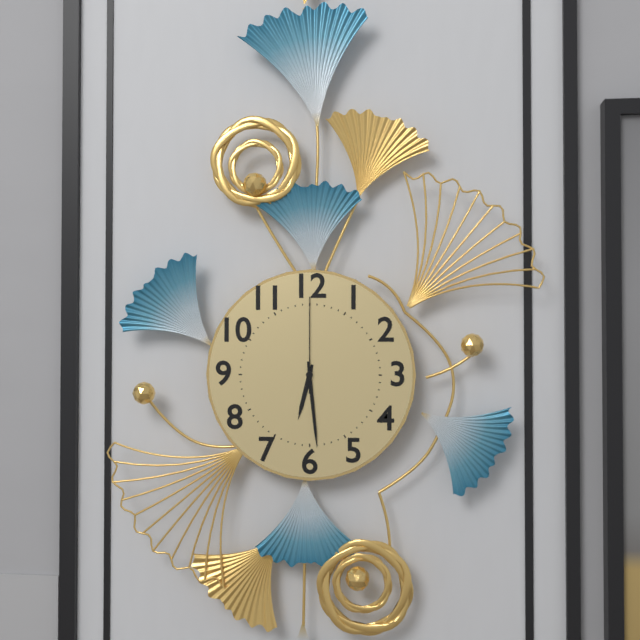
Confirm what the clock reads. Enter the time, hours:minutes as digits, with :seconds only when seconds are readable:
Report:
6:29:00
